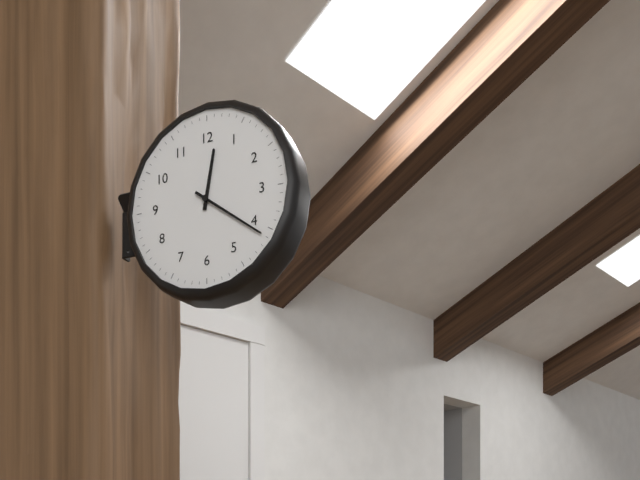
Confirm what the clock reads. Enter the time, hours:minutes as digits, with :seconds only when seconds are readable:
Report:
12:21
